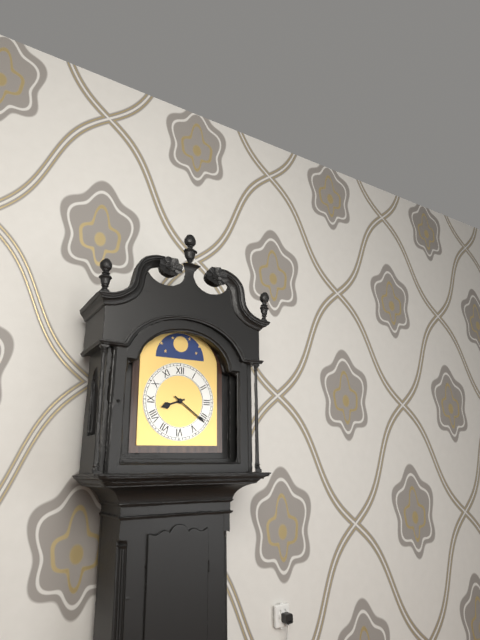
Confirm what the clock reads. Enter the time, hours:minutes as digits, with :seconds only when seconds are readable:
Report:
8:21
